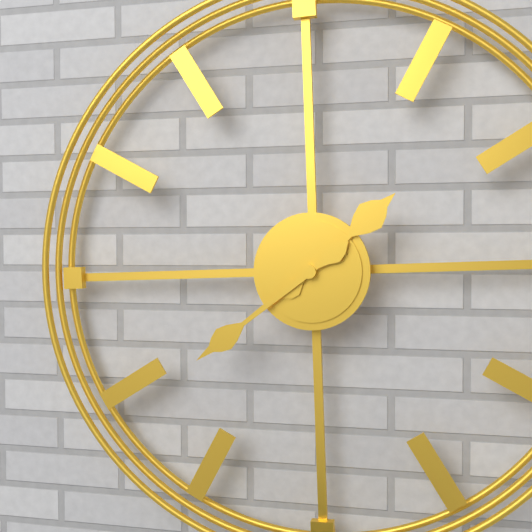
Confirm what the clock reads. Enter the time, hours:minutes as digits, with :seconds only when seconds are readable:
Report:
1:39
